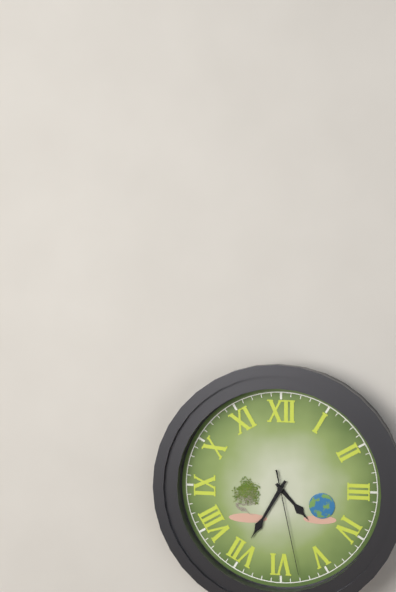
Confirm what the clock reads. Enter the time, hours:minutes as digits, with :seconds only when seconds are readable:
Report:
4:35:28
